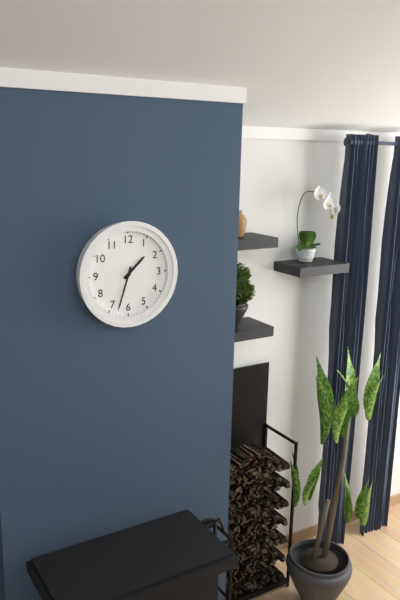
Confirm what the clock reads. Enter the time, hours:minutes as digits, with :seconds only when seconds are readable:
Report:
1:33
